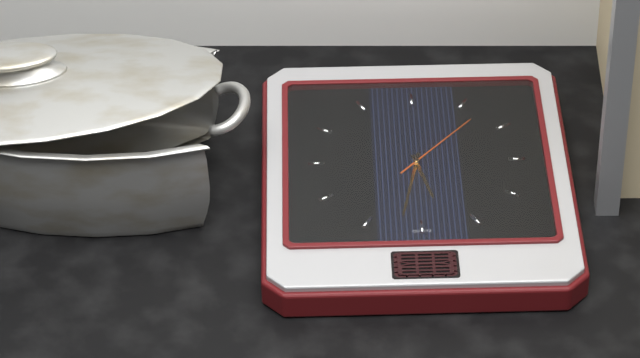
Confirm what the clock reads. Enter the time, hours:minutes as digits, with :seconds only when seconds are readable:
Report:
5:32:07
